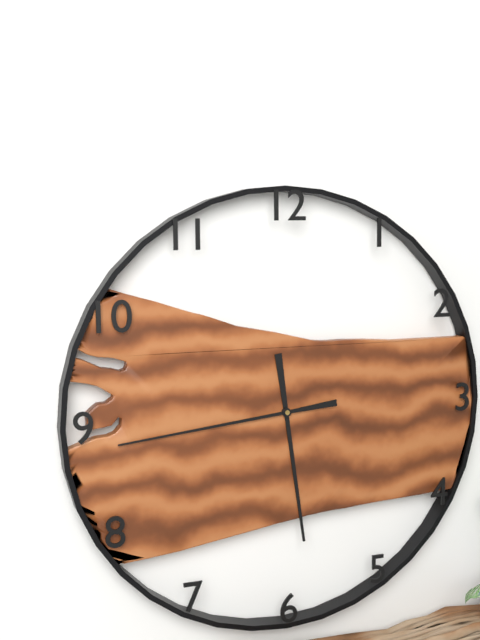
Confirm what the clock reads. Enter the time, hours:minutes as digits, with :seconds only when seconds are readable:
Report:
5:44
